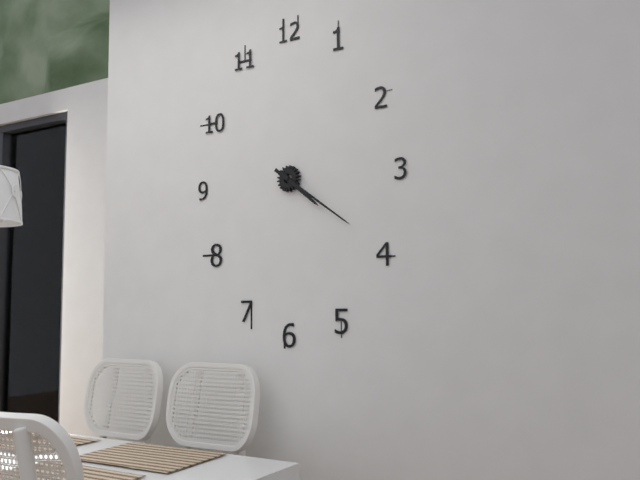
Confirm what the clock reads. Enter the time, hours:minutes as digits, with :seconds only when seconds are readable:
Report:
4:21
